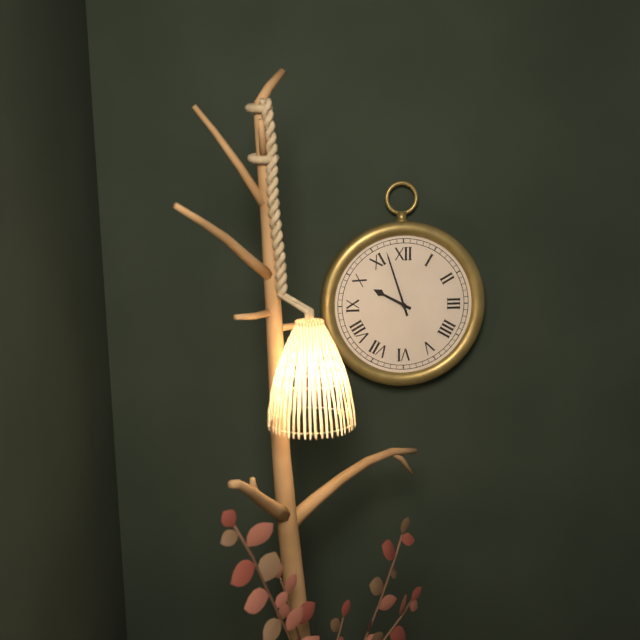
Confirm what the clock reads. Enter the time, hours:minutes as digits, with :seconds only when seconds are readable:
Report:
9:57
